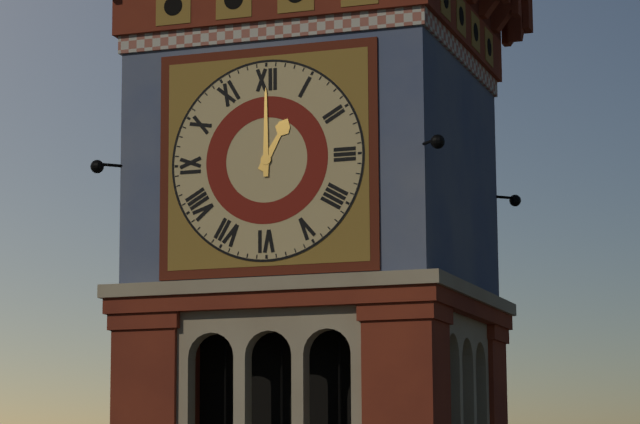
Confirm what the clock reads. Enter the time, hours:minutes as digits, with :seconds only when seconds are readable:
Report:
1:00
